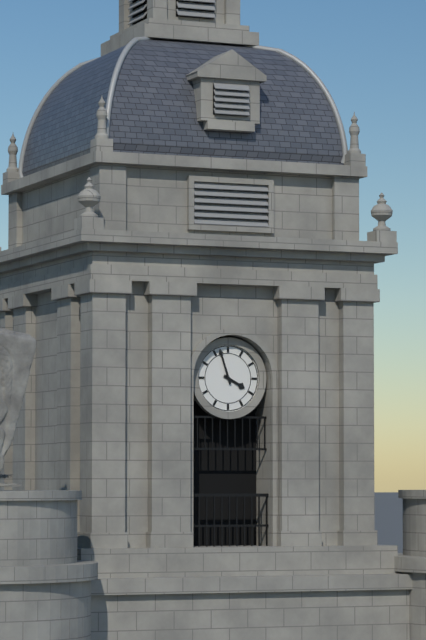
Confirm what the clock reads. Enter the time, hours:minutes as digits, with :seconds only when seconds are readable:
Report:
3:57
